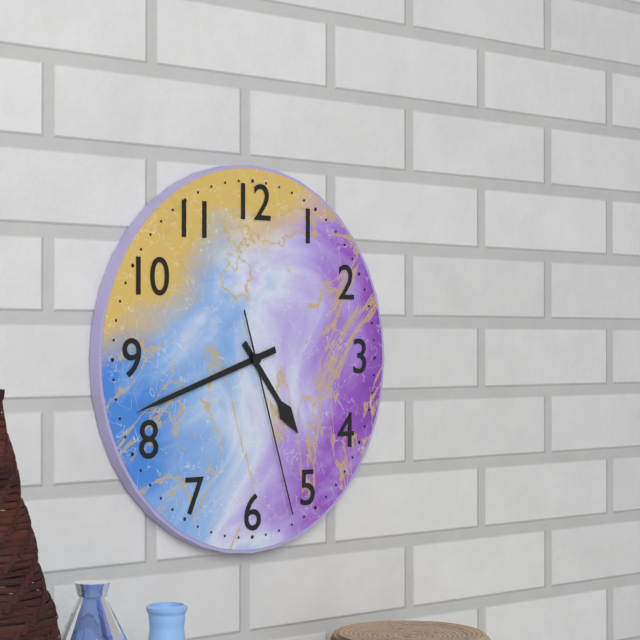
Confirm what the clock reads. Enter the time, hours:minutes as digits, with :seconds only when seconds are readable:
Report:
4:42:27
